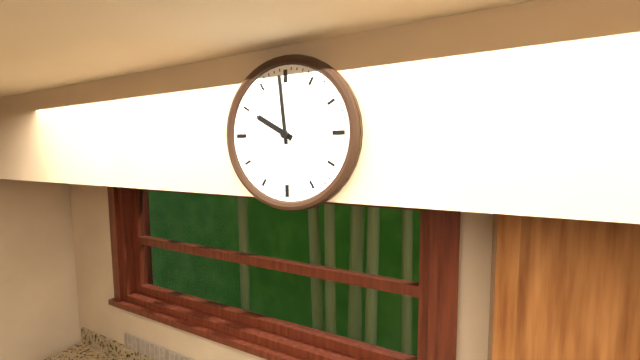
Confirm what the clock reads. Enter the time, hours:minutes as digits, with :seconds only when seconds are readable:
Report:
9:59
